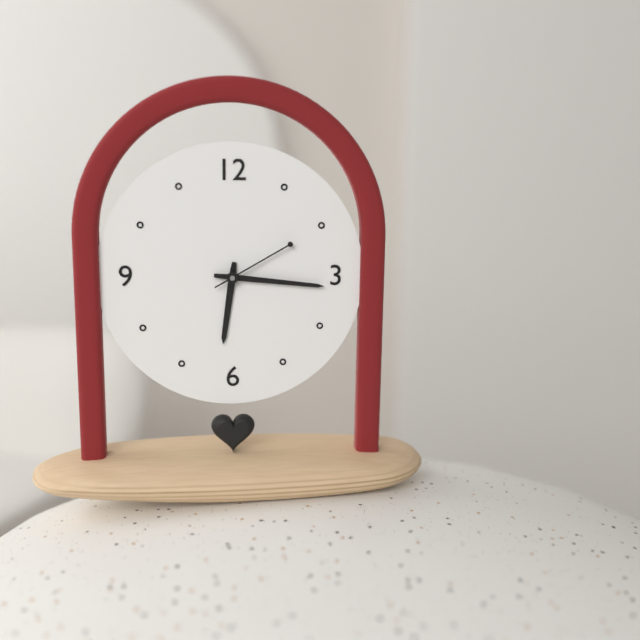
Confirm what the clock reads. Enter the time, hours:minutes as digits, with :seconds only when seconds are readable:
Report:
6:16:10
